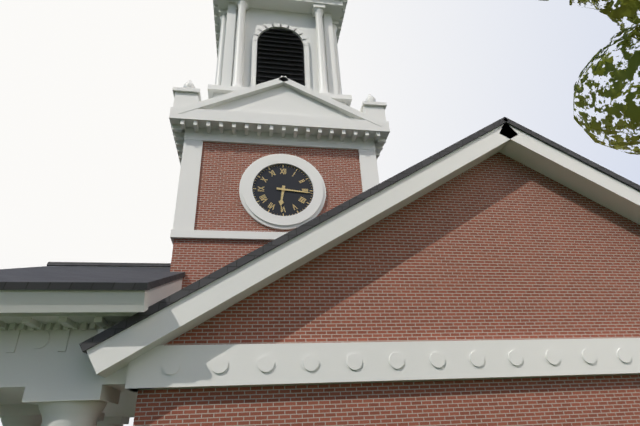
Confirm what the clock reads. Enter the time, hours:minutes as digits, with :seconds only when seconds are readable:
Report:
6:16
